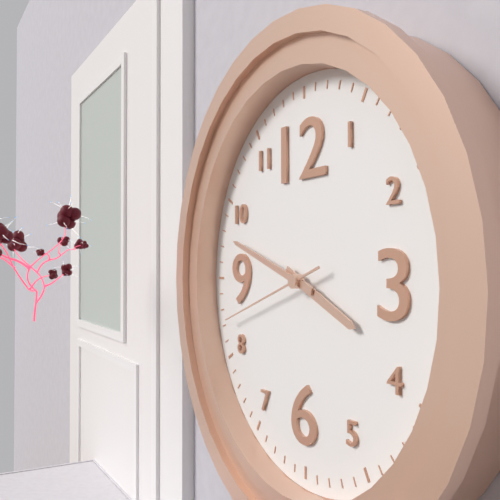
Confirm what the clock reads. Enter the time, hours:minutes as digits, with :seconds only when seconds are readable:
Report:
3:48:42
